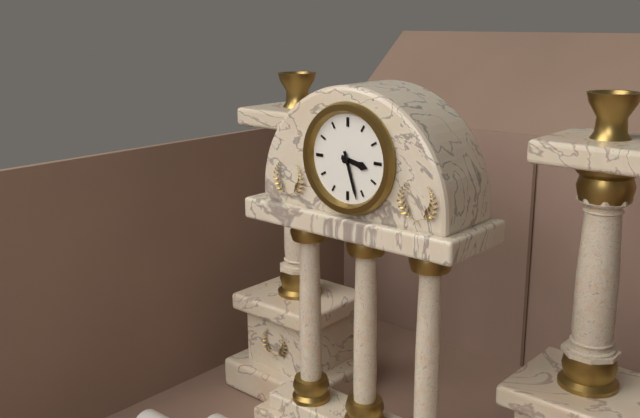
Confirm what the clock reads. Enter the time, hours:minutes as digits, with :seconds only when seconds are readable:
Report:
3:27
